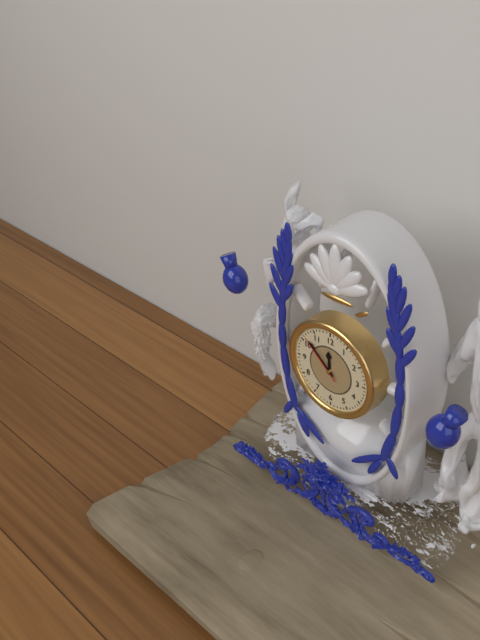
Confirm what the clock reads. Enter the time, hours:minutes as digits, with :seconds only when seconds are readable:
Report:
11:52:52
